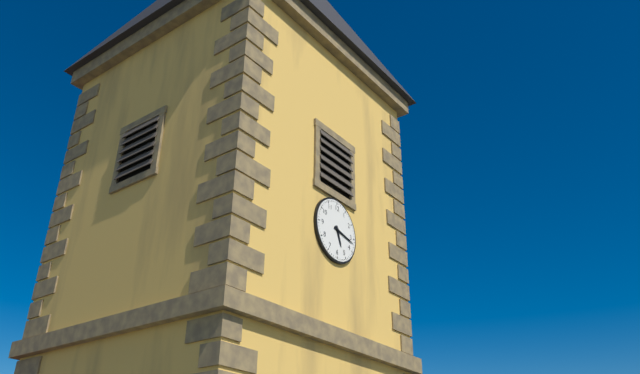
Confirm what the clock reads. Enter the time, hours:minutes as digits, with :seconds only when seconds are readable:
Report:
5:17
